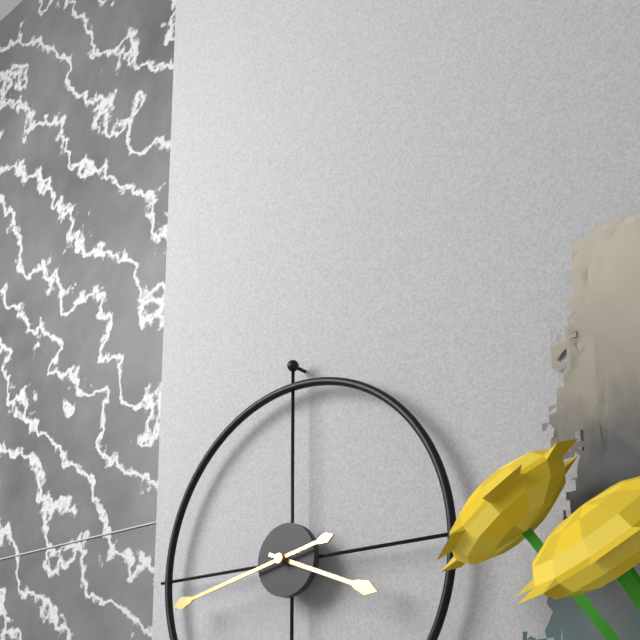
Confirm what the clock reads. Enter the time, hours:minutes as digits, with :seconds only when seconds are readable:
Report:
3:43
